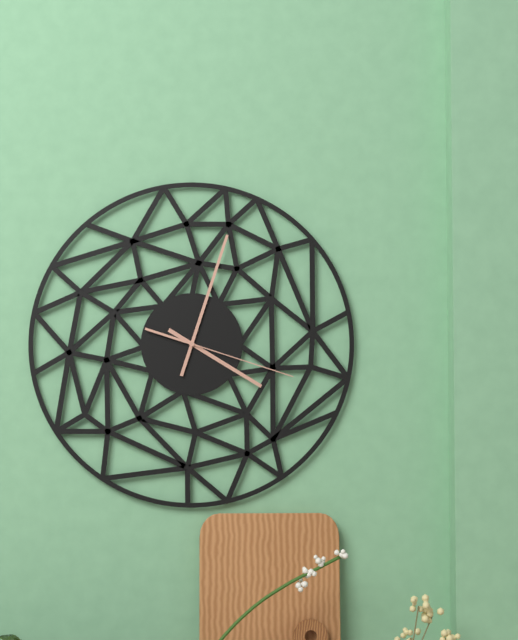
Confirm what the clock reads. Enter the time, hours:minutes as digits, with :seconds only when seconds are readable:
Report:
4:03:18
